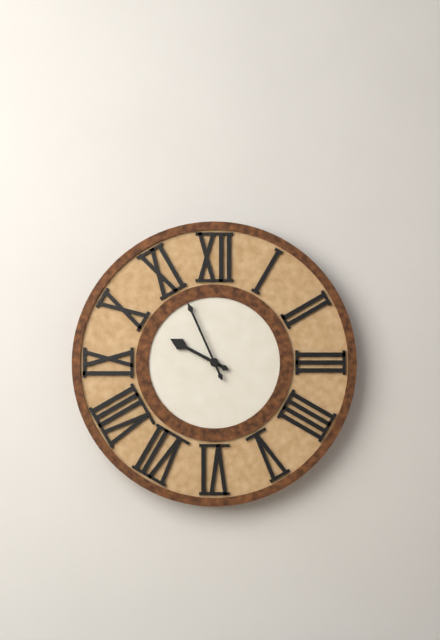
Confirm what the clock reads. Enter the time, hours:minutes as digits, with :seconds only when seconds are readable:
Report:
9:56
